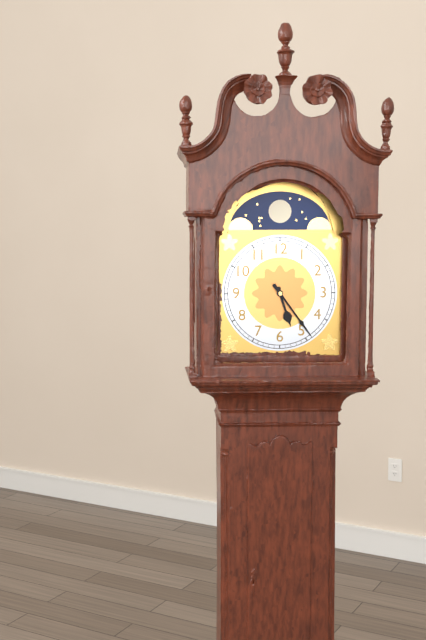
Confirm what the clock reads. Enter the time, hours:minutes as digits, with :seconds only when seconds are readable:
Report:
5:24
